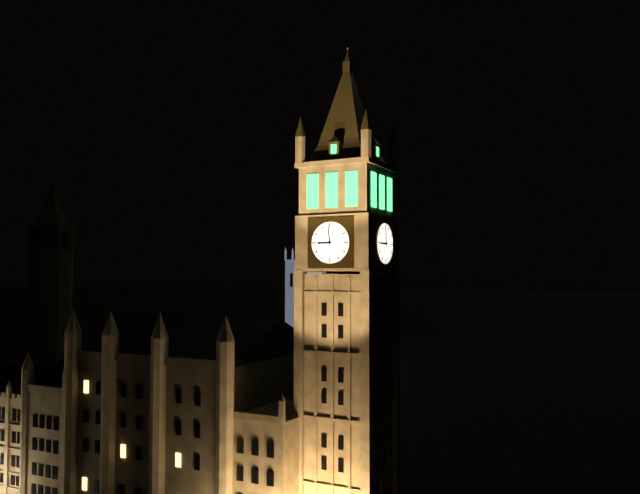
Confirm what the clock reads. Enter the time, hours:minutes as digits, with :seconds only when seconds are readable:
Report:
8:59
